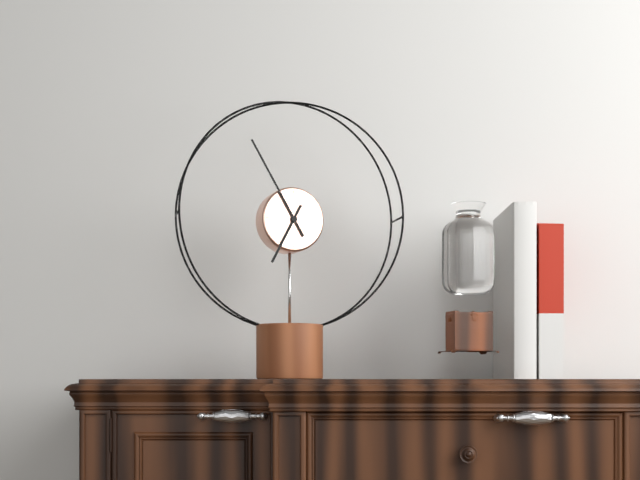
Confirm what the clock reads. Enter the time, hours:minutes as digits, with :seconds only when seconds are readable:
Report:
6:55
